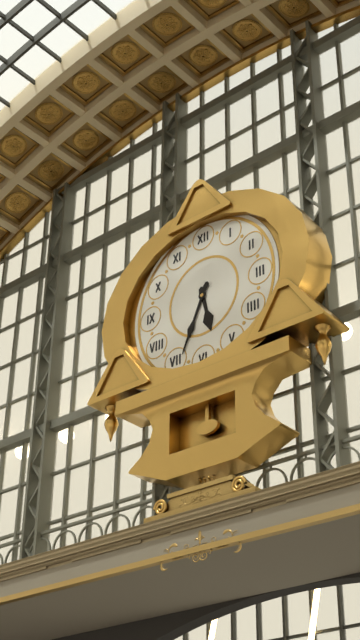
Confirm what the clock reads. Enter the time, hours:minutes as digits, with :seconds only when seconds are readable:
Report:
5:34
